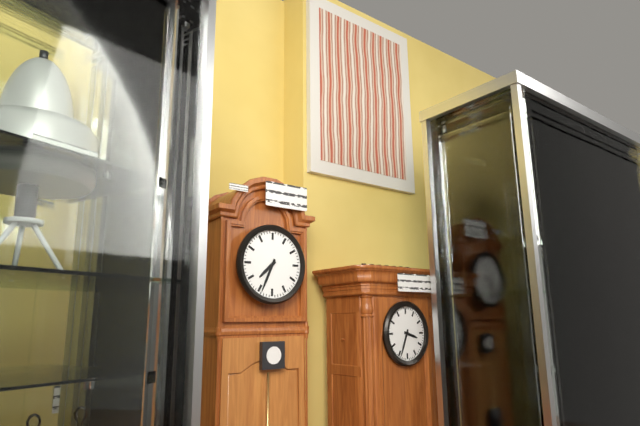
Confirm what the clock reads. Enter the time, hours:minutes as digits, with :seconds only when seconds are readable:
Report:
7:34
